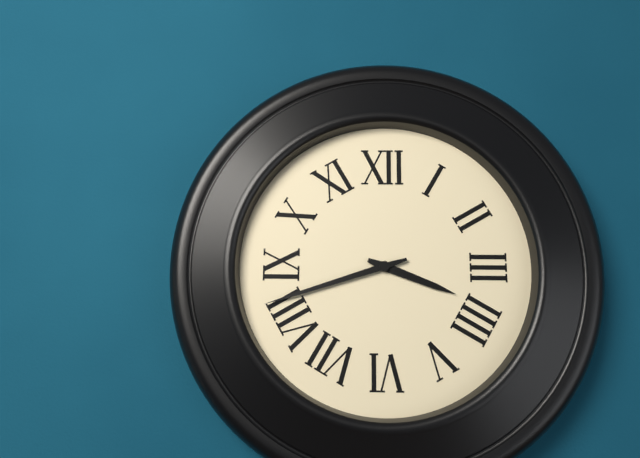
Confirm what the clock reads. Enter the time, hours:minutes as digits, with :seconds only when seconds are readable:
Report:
3:42
